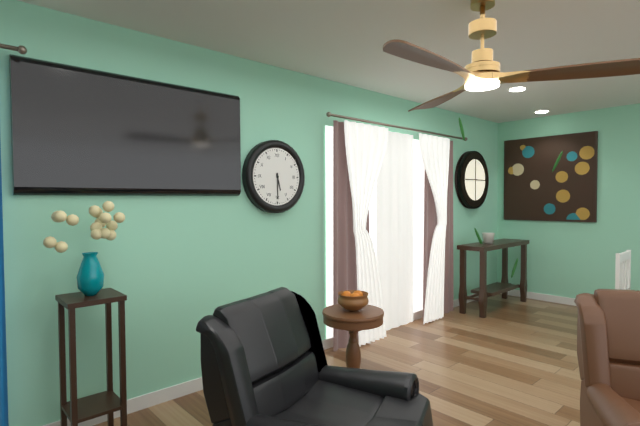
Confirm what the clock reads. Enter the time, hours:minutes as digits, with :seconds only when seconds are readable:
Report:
5:30
